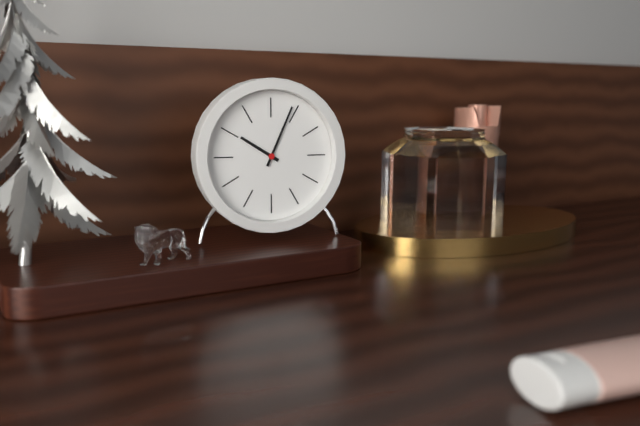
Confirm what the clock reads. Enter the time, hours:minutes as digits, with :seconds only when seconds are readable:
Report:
10:04
